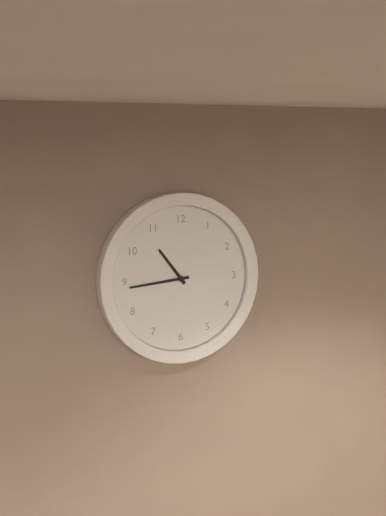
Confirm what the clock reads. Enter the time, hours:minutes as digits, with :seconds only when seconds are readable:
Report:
10:44
